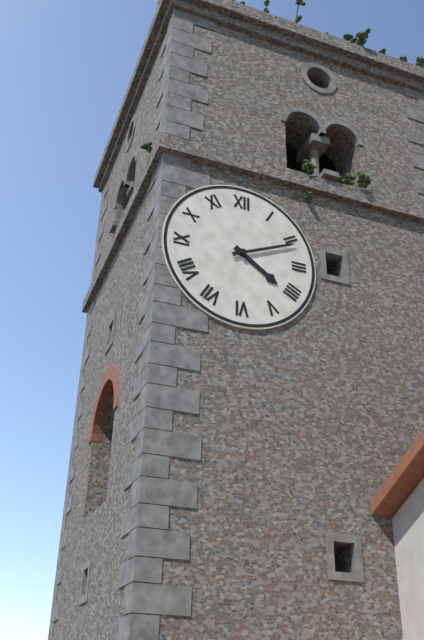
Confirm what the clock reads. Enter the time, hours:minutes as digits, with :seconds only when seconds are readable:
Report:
4:11
